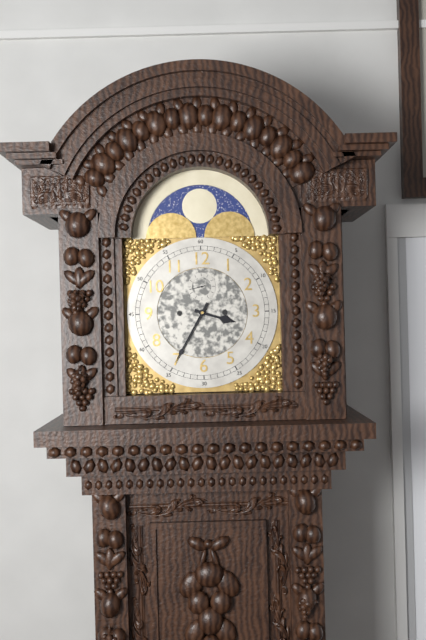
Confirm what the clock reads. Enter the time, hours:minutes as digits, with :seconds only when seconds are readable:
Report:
3:35
